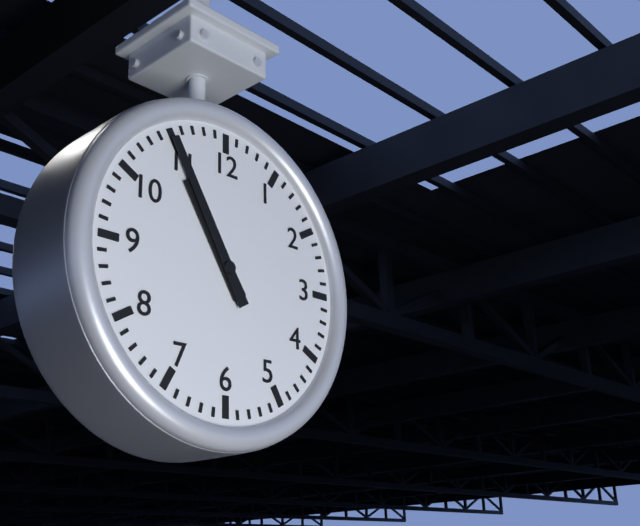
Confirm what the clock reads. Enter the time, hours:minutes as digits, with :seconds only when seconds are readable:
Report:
10:55
